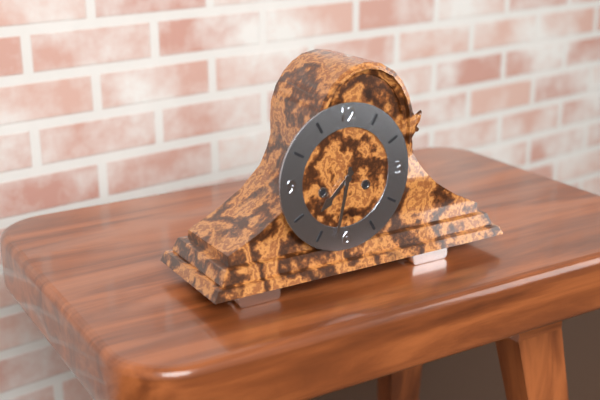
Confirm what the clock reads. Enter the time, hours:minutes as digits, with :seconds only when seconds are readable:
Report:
7:32
